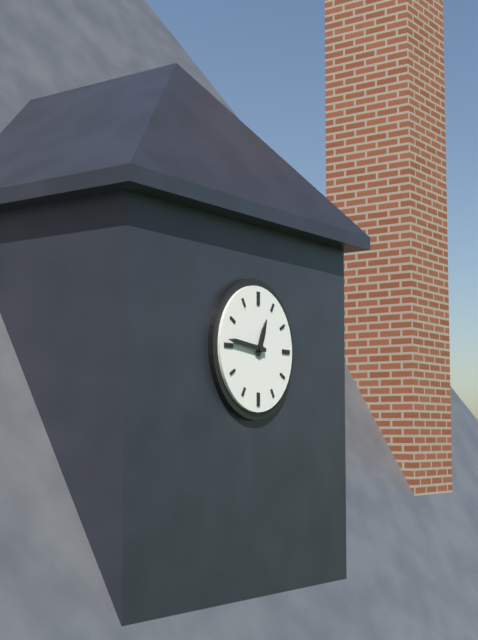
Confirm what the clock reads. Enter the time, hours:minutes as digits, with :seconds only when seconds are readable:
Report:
12:46
